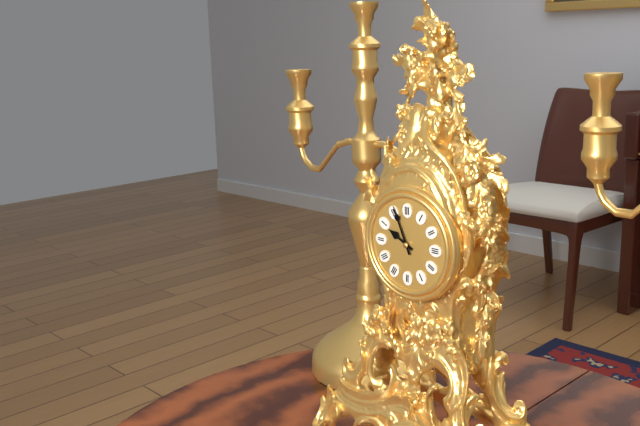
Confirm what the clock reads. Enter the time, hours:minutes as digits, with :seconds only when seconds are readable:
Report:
9:56
